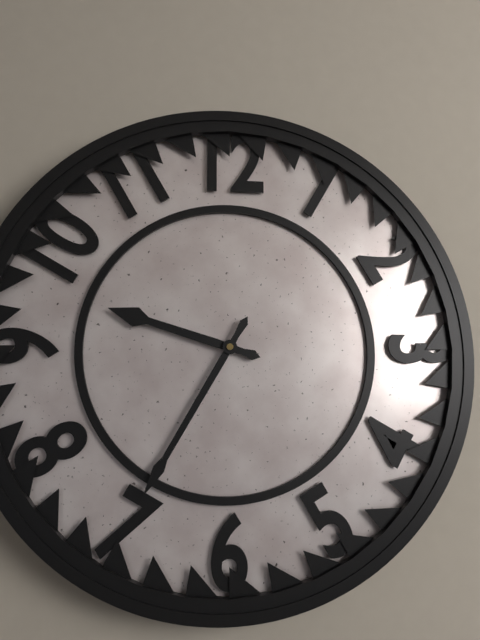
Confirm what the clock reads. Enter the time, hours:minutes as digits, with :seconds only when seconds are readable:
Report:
9:35
